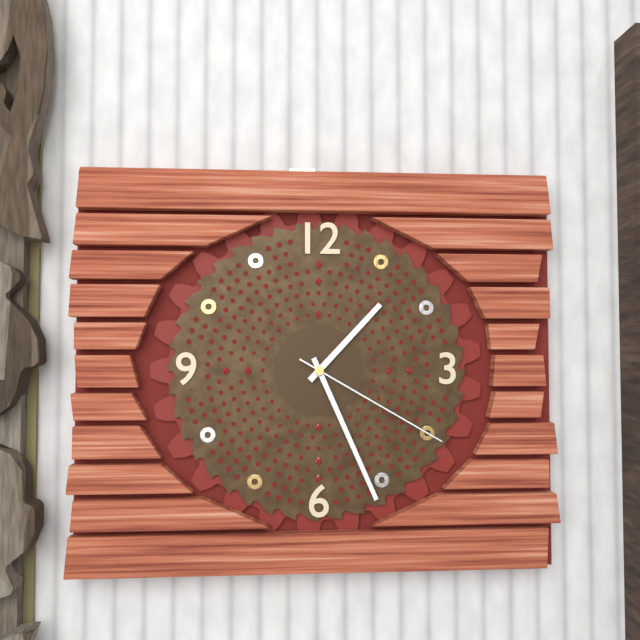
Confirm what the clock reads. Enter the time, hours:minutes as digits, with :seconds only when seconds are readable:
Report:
1:26:20
